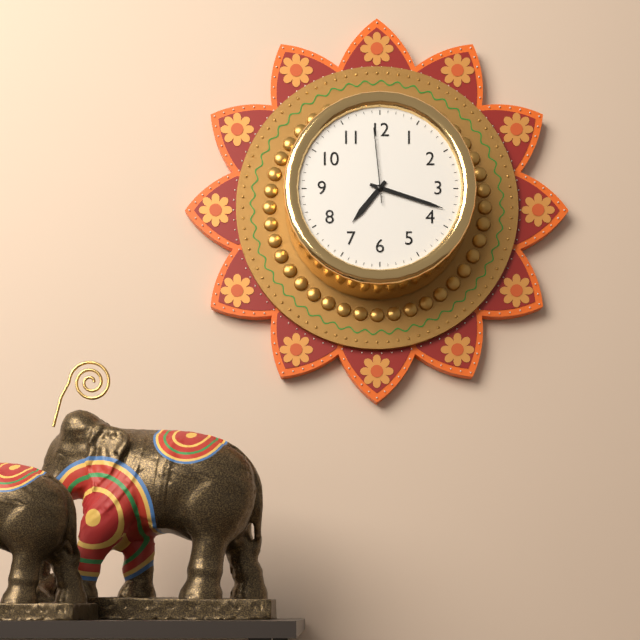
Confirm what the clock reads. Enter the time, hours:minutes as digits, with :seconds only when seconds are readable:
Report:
7:18:59
